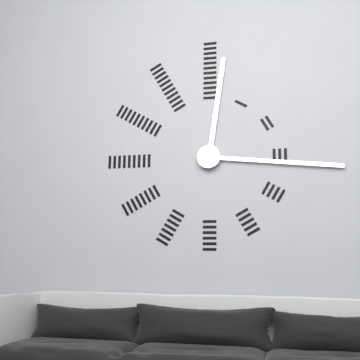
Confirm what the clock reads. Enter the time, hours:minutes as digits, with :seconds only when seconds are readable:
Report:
12:16
